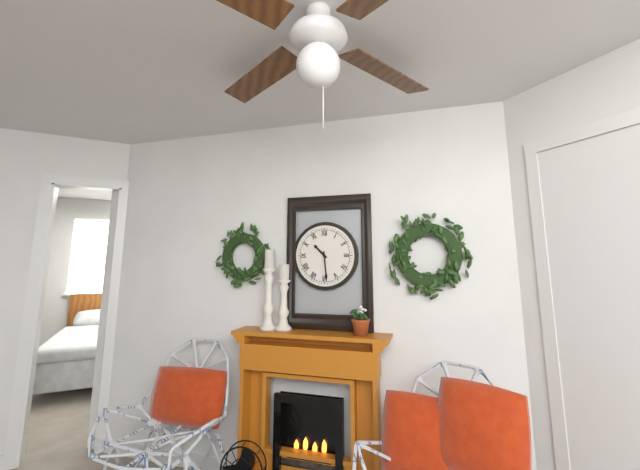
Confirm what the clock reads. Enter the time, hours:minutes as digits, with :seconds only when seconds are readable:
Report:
10:29
